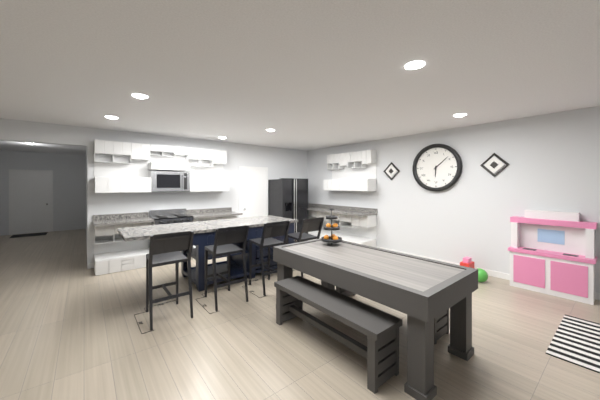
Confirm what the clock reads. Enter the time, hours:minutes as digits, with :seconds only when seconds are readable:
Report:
6:08
